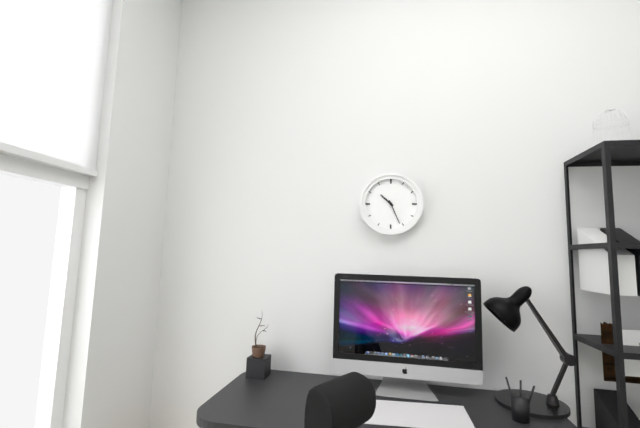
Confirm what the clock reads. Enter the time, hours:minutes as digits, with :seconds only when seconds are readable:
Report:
10:26
